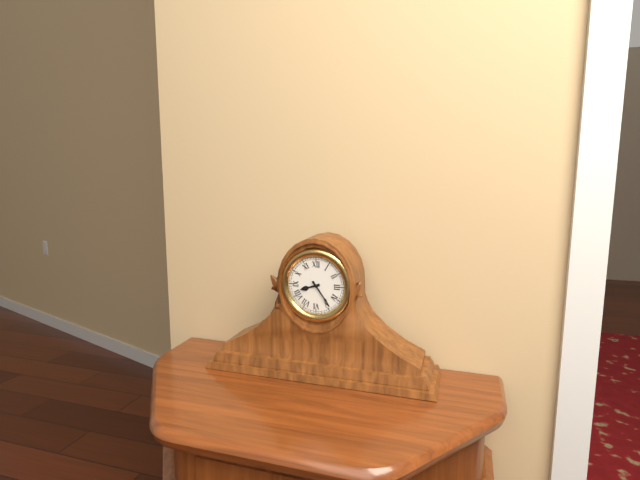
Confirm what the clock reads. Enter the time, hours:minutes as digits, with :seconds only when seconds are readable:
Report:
8:24
